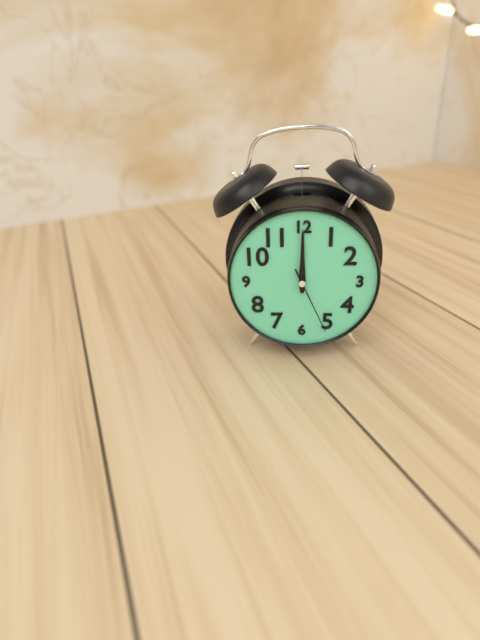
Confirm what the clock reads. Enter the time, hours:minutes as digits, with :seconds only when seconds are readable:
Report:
12:00:26
